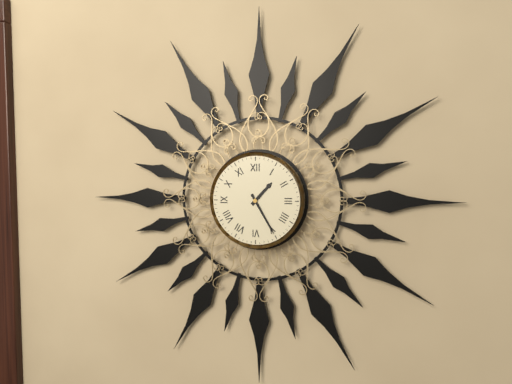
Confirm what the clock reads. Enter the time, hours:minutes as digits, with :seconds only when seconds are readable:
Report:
1:25
